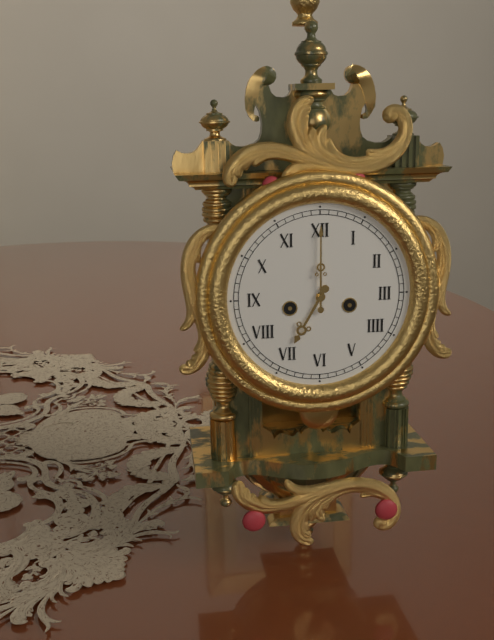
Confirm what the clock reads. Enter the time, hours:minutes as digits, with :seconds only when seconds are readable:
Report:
7:00
